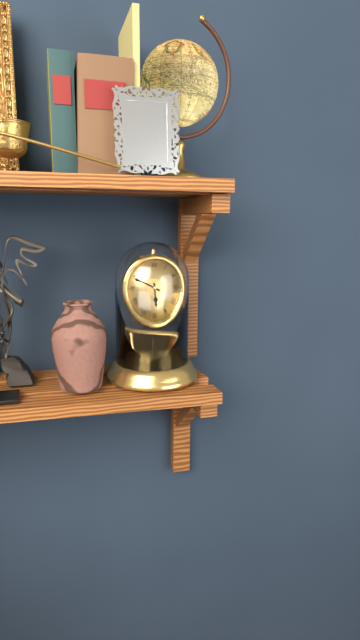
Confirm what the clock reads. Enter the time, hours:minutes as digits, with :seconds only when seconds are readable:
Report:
5:49
